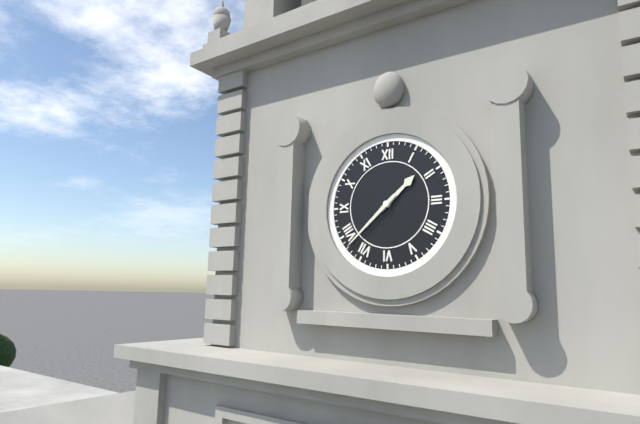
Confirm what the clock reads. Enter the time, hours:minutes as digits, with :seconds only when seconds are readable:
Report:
1:38
